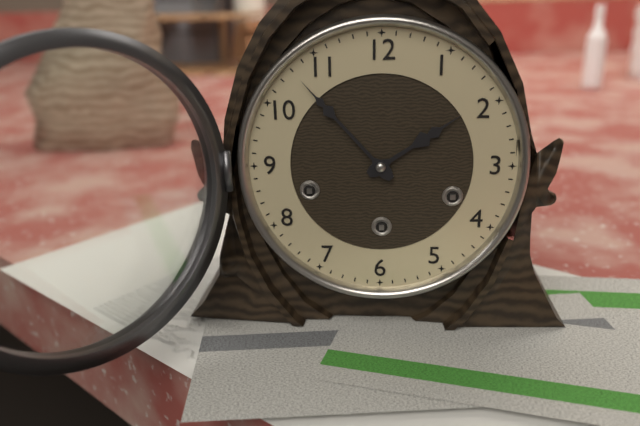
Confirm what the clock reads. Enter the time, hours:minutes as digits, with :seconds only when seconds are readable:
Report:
1:53
